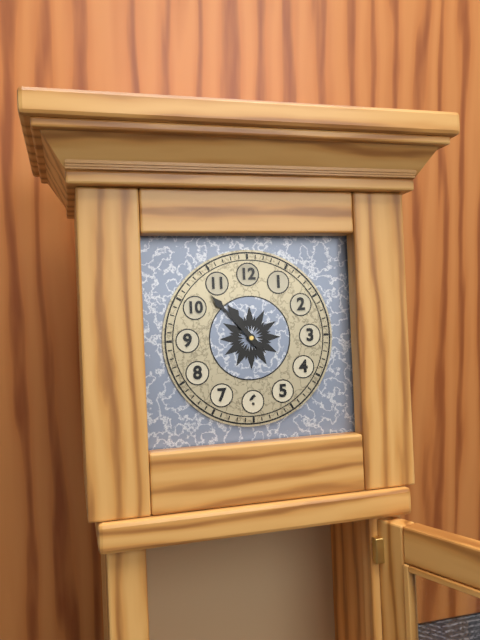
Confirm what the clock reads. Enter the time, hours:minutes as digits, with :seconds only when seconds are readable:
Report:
10:53
